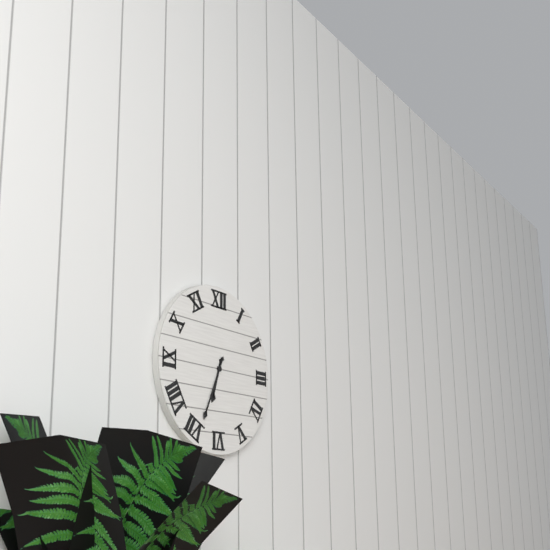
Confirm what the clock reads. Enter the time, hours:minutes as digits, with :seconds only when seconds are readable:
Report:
6:34
